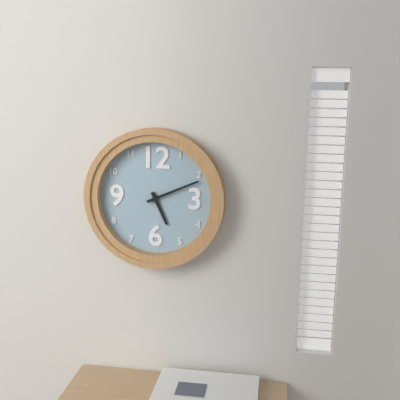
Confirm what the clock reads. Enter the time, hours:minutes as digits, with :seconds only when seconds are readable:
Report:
5:11
